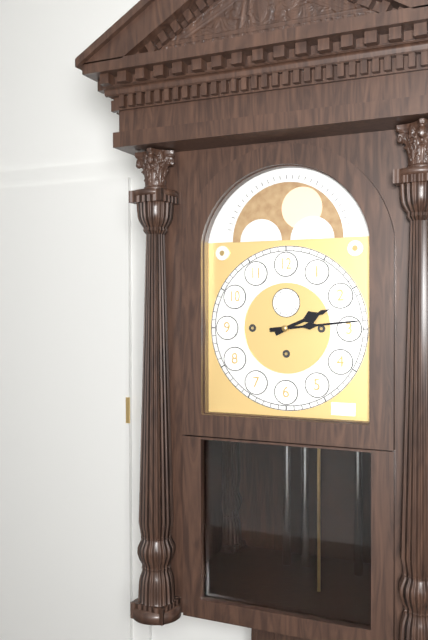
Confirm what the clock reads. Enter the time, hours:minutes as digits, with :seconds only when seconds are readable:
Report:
2:14
